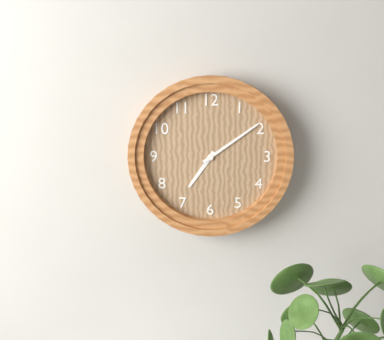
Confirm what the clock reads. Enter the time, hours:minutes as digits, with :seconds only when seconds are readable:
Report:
7:09
